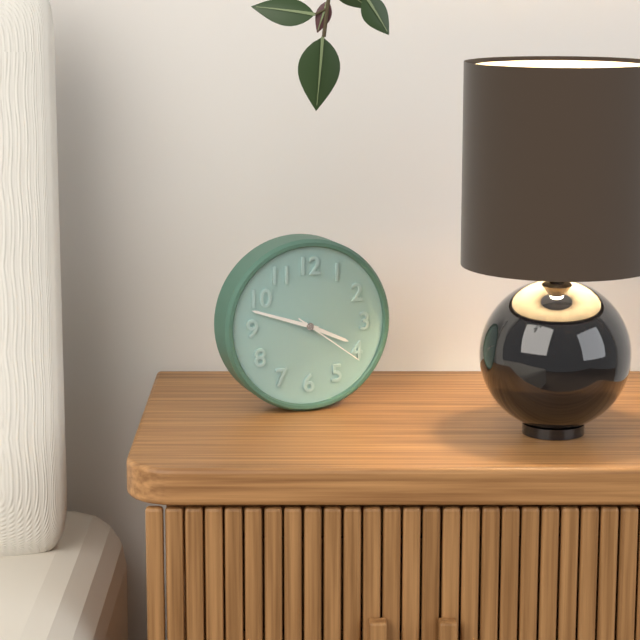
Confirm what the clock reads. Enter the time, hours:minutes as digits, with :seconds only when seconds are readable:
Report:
3:48:21
